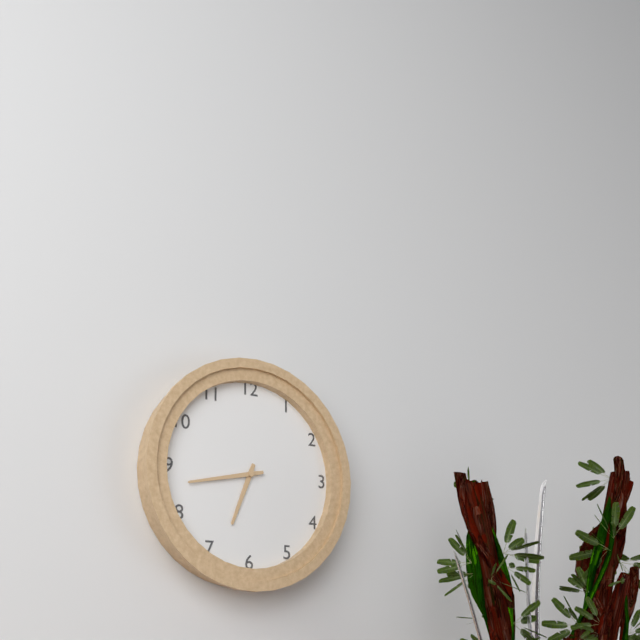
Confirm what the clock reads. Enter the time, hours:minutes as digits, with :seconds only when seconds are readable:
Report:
6:43
